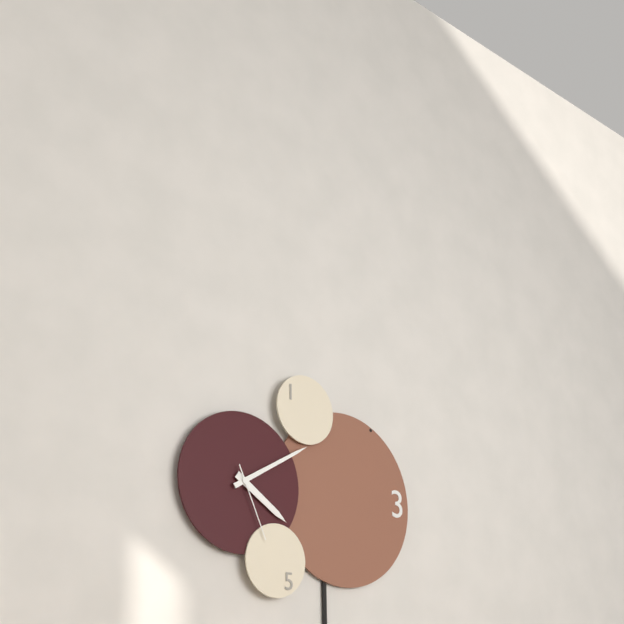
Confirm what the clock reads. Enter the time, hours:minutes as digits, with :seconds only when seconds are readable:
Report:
4:10:26
